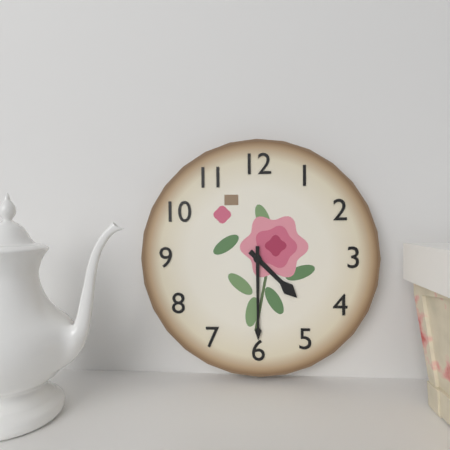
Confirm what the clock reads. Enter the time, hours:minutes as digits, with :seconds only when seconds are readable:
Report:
4:30
